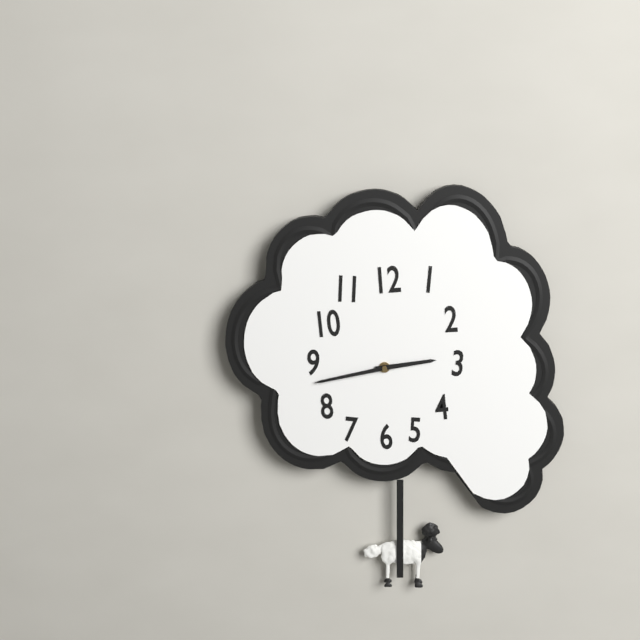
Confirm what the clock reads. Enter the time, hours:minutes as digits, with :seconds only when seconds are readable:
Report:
2:43
